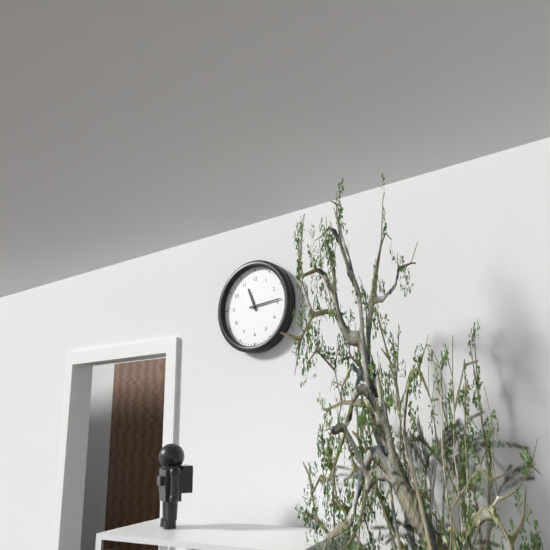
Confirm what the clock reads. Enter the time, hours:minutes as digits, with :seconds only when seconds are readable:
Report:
11:14
